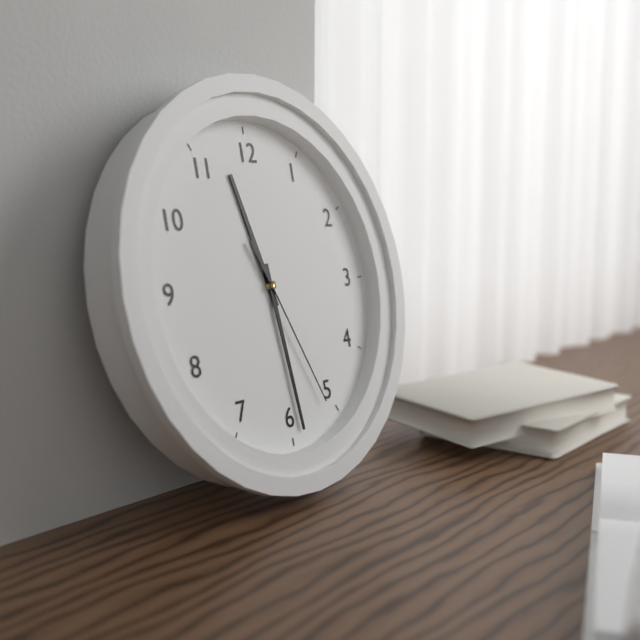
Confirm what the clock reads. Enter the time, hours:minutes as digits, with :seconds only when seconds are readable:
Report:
11:29:26
